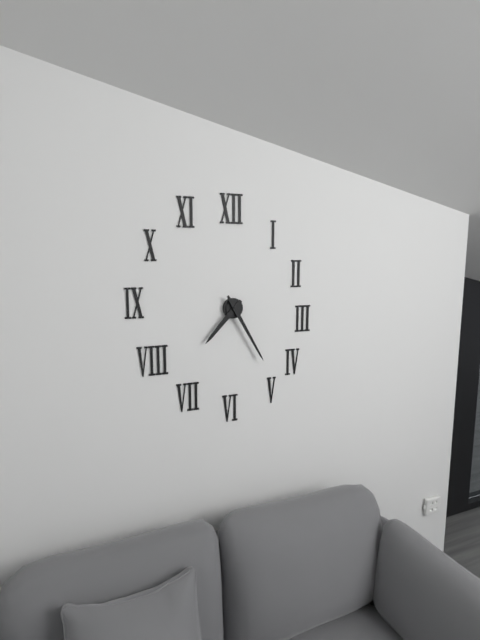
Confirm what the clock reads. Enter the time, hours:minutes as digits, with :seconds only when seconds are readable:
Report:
7:25
